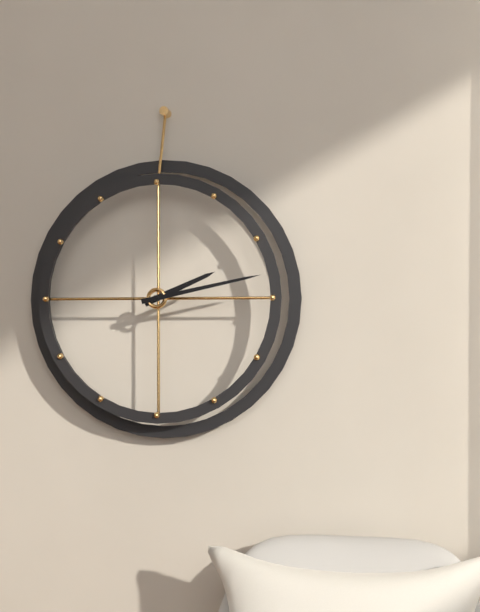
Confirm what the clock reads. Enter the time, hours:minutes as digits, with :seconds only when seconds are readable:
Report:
2:13
